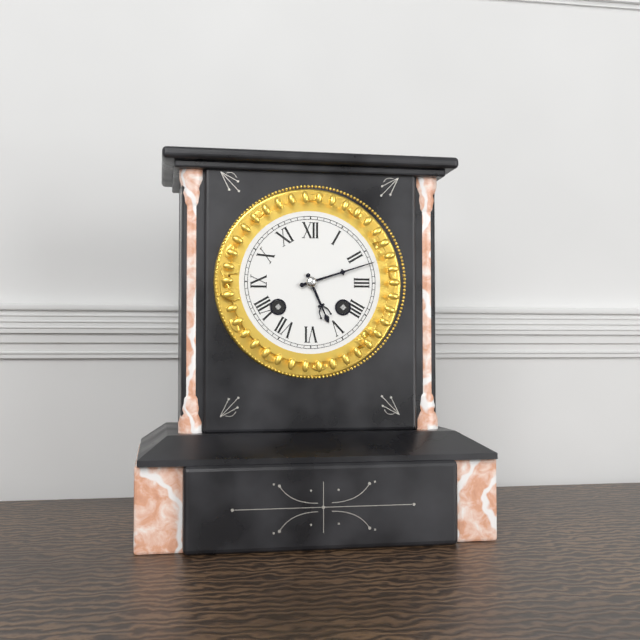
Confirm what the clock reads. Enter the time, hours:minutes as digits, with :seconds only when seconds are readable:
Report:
5:12
